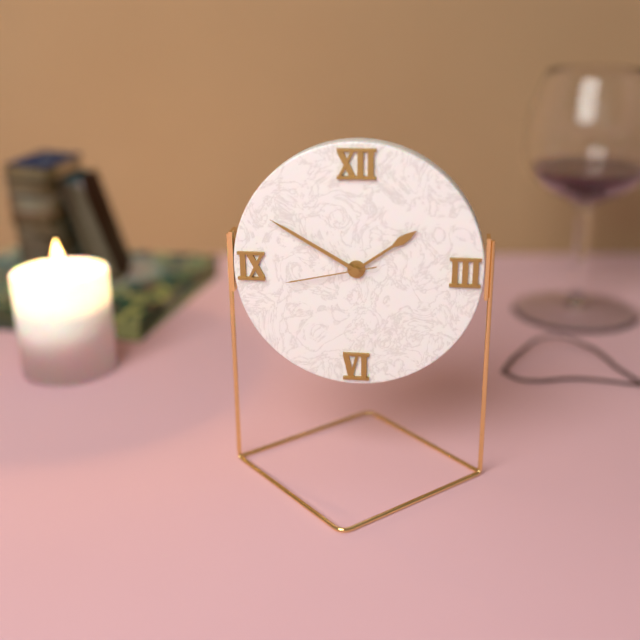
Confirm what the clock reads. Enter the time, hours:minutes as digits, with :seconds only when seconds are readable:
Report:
1:50:43
